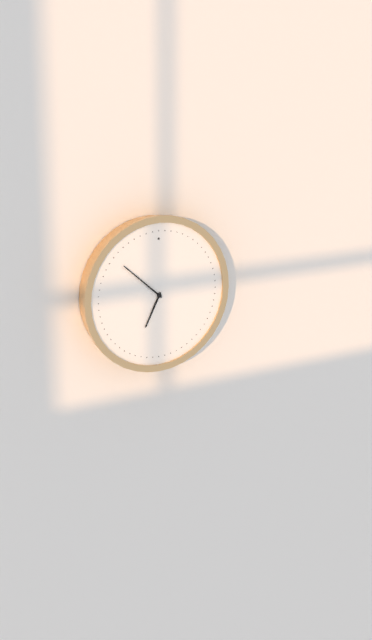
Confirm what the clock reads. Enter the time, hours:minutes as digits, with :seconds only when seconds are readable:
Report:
6:52
